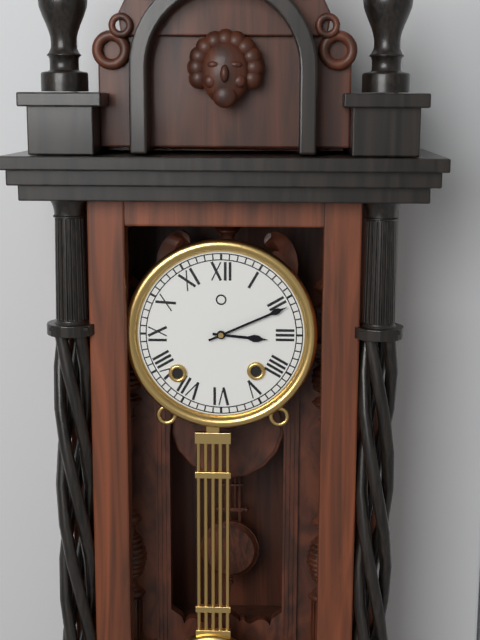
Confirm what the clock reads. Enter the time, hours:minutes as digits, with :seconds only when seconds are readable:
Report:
3:11
